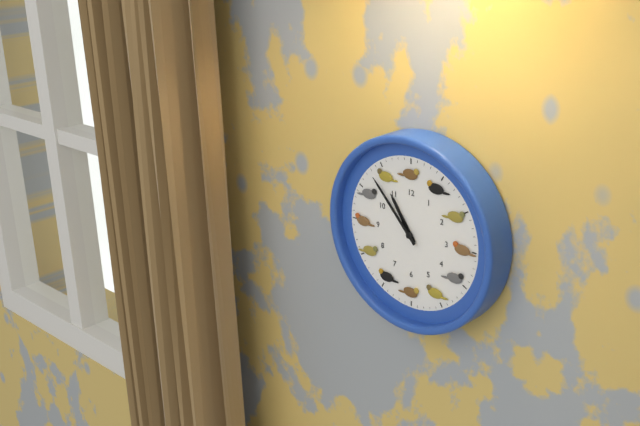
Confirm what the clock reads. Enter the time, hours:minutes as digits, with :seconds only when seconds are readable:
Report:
10:53
